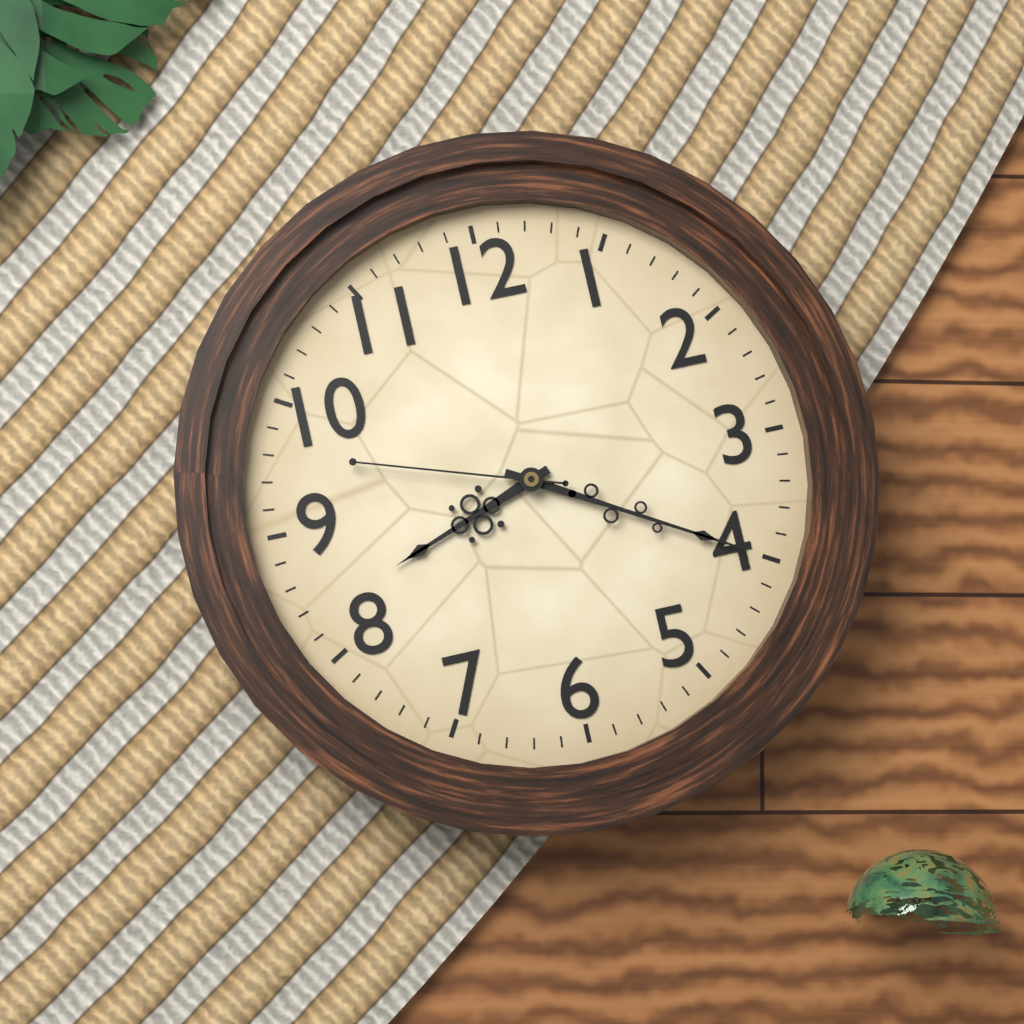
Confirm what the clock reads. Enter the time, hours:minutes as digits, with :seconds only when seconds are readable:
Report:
8:20:48
